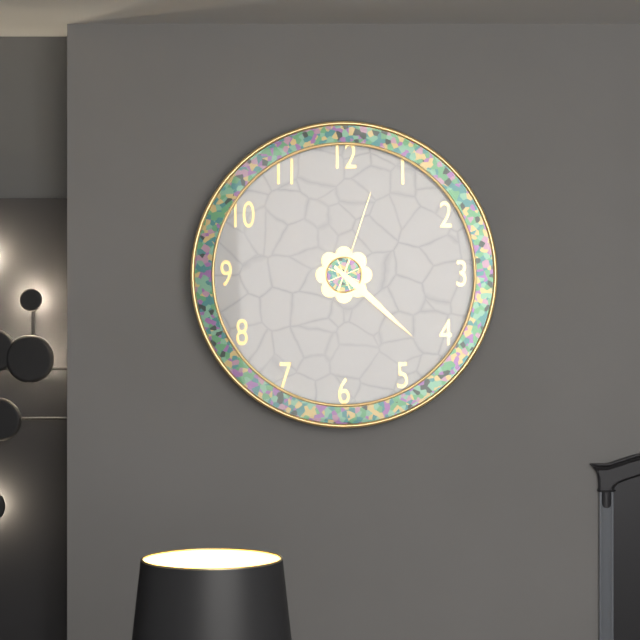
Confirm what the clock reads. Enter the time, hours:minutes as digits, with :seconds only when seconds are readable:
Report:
4:22:03
